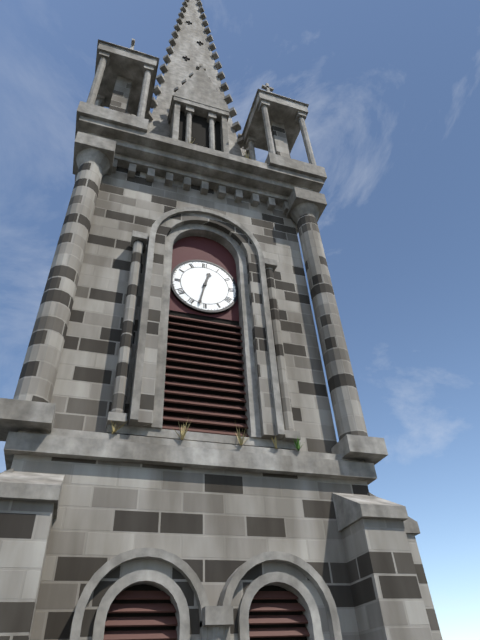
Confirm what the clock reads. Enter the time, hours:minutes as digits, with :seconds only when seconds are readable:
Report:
12:32
